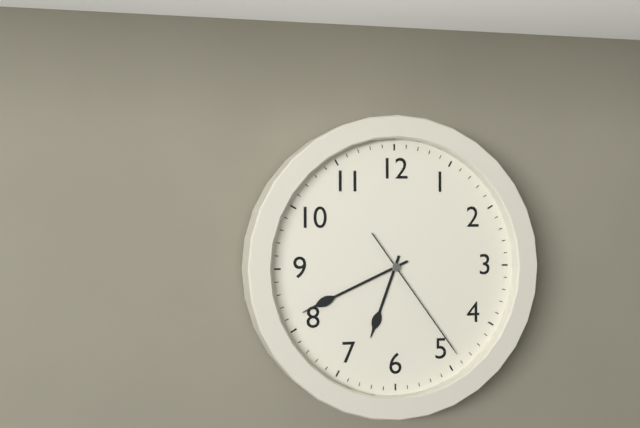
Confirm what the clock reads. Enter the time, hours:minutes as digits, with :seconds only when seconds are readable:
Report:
6:41:24
